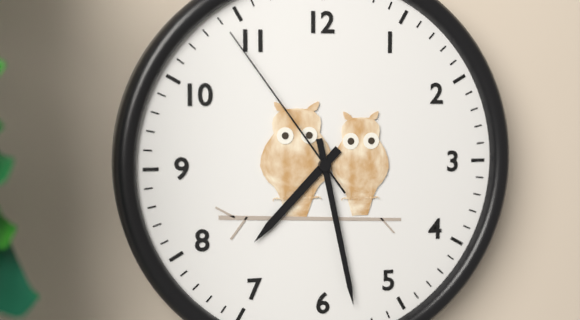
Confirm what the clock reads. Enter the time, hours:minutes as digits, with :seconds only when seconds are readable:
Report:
7:28:54
